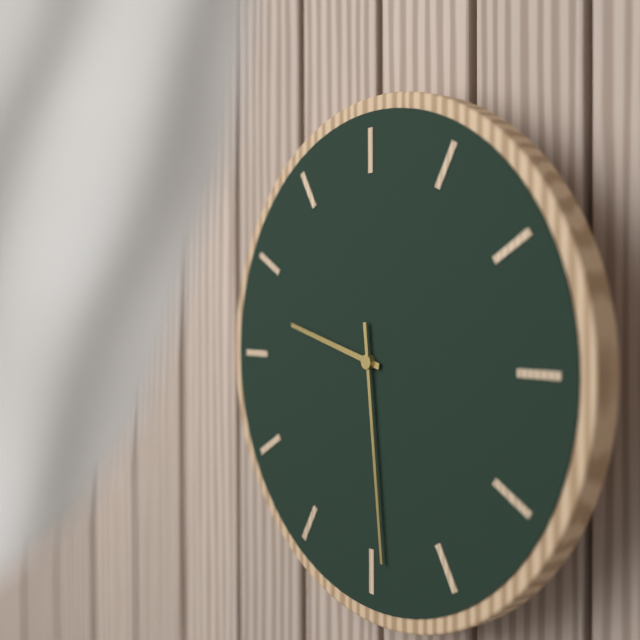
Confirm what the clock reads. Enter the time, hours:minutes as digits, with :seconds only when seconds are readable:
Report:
9:29
